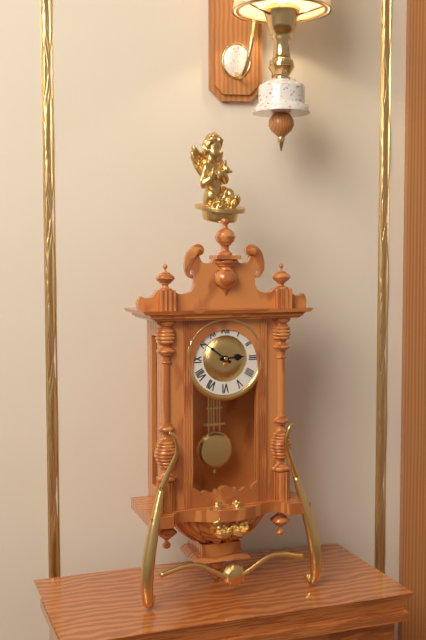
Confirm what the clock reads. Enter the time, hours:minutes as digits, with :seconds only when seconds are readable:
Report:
2:51
